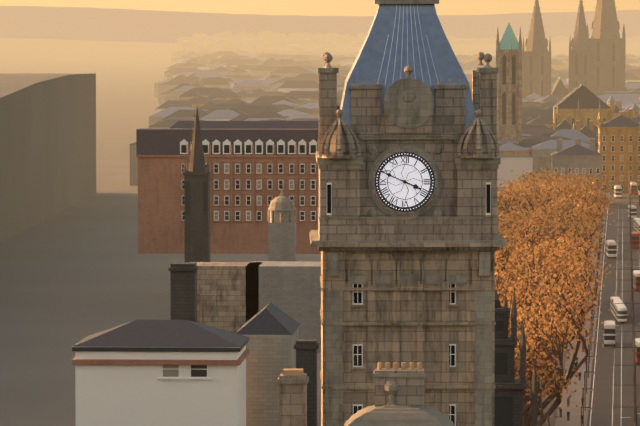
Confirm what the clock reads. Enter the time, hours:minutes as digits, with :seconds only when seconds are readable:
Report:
3:49
